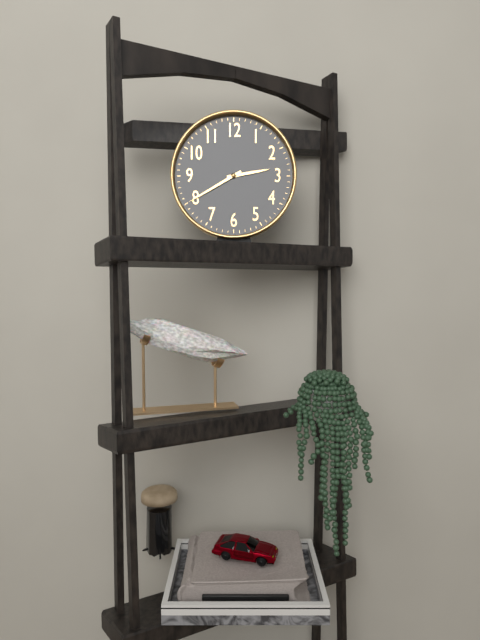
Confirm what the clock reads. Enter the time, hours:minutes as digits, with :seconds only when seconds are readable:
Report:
2:40
